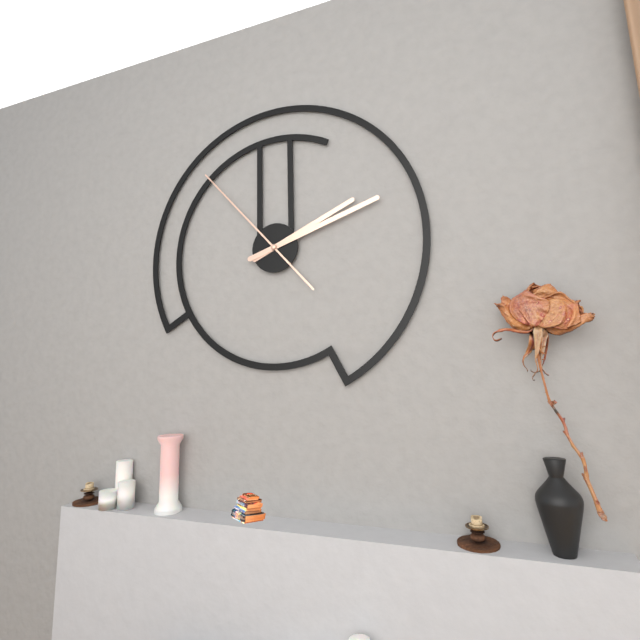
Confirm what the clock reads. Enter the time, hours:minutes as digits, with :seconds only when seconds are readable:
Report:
2:12:53
